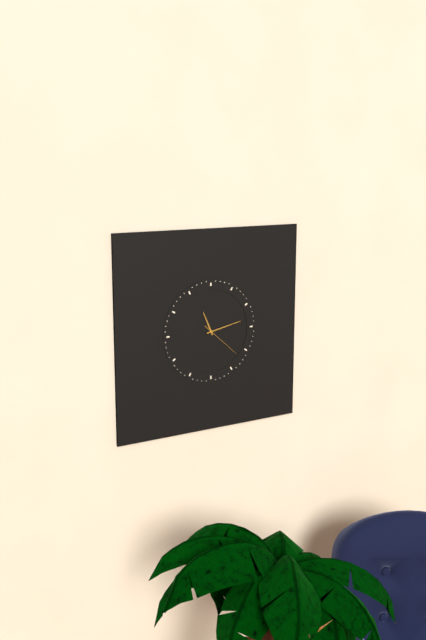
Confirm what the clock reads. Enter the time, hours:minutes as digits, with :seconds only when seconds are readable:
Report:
11:13
